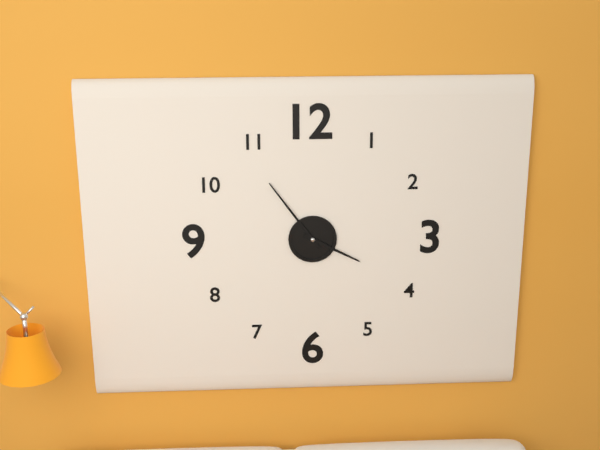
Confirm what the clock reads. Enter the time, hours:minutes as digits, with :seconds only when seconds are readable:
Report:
3:54
